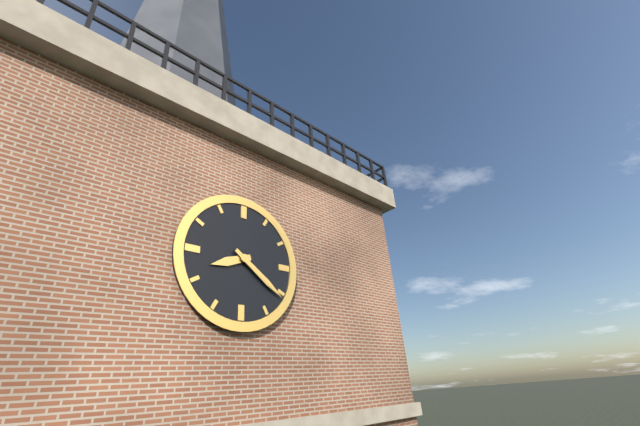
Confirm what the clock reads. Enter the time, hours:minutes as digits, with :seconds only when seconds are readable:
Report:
8:21
